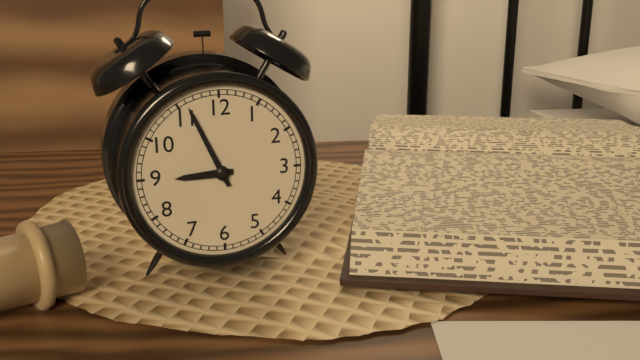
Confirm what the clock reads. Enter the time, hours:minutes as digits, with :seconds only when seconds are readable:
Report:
8:56
